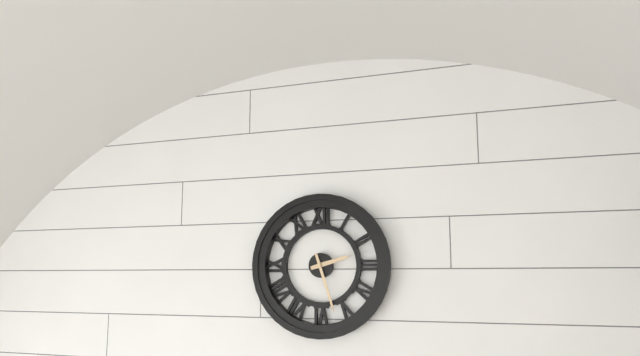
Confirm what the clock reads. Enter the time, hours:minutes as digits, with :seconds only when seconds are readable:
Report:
2:27
